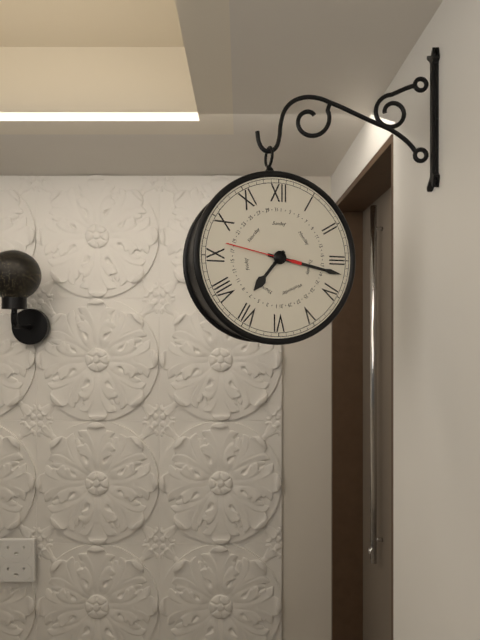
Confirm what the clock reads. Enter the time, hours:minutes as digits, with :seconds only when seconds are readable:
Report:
7:17:47
